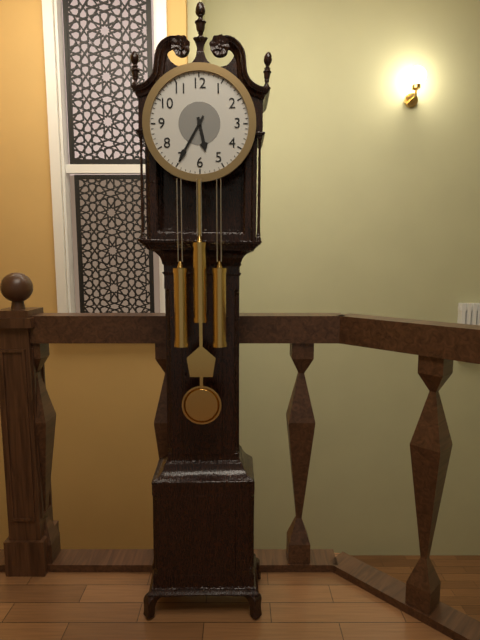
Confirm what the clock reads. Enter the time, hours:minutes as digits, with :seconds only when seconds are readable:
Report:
5:35
